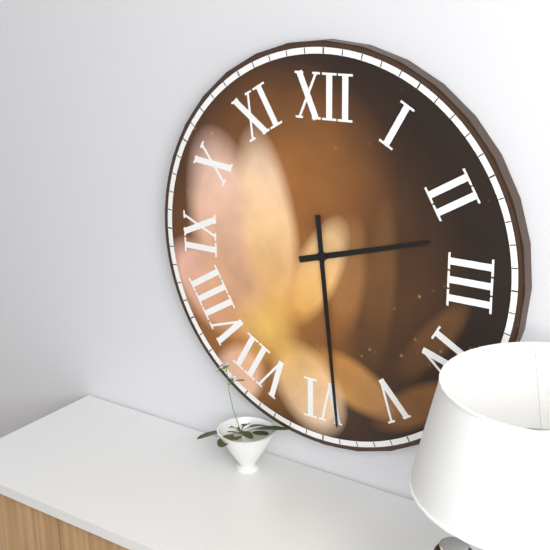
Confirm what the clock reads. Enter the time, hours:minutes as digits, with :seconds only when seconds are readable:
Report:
2:29
